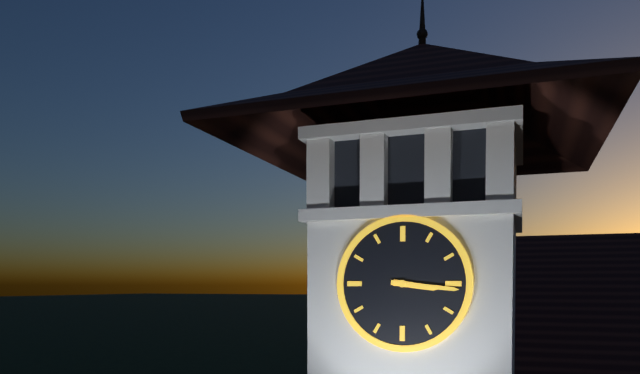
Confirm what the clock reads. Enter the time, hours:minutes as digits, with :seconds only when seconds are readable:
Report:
3:16
